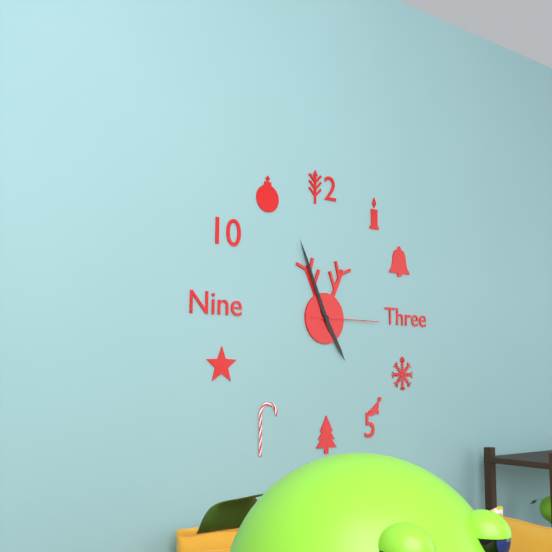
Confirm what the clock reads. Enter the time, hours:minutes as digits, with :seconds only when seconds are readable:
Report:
4:56:15
